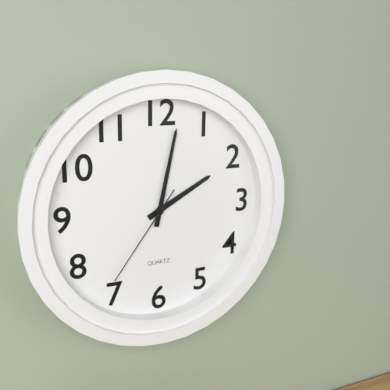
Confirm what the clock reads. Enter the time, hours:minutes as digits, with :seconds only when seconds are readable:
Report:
2:02:36
